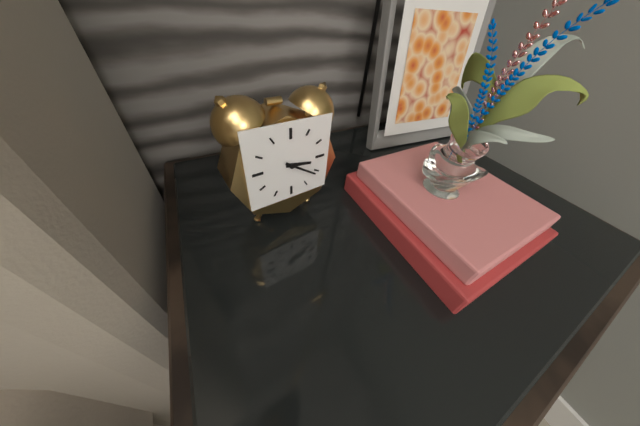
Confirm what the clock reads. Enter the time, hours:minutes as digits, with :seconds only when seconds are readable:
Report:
3:21
